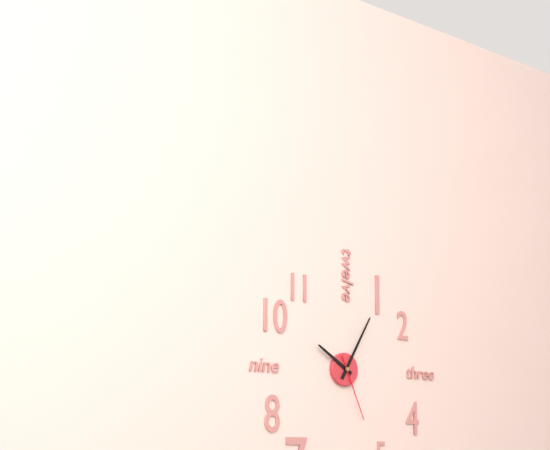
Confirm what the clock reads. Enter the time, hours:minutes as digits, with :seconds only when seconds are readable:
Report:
10:05:26
